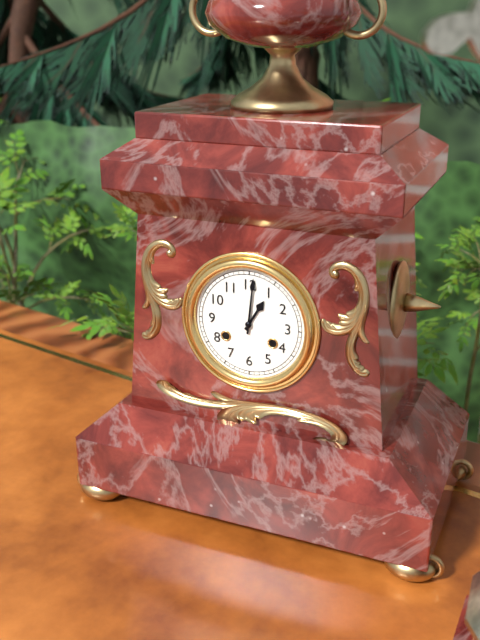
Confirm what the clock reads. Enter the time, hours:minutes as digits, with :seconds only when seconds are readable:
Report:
1:01
